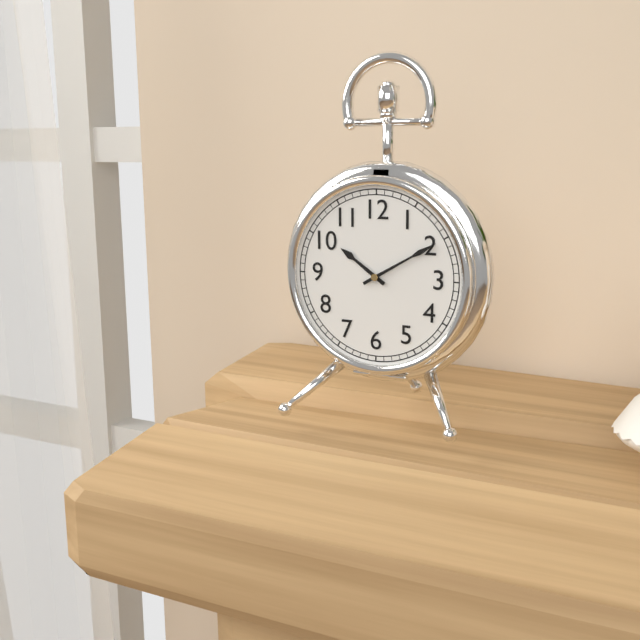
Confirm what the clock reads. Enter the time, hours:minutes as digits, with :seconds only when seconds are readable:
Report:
10:10
